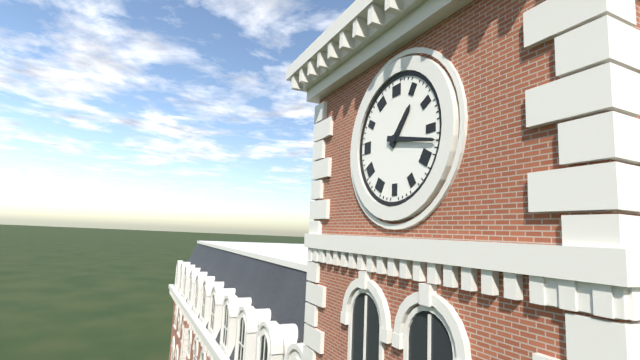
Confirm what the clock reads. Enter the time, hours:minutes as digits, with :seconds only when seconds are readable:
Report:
1:17
